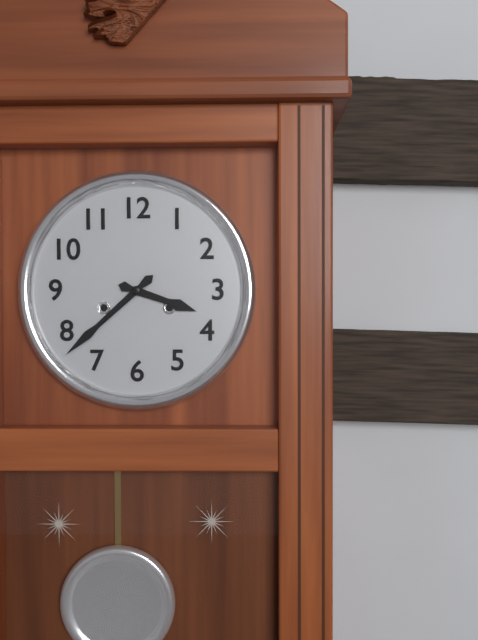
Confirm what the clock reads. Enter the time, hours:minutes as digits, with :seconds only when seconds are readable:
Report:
3:38
